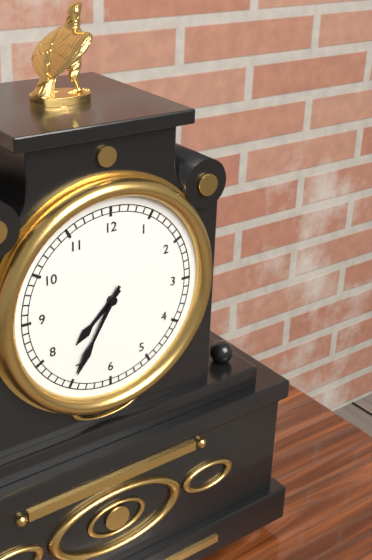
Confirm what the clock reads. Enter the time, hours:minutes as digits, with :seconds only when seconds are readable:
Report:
7:35
